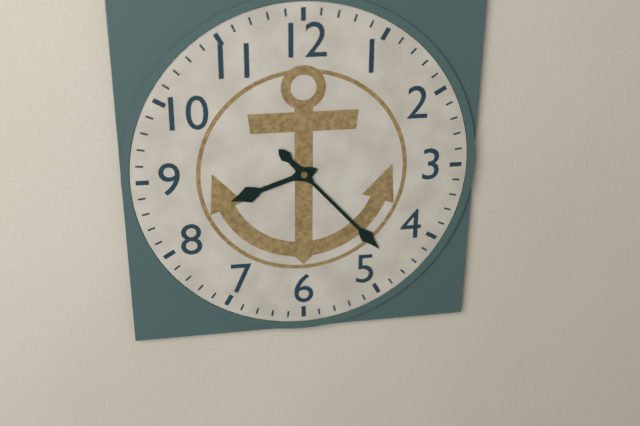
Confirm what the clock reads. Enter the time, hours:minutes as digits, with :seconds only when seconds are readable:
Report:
8:23
